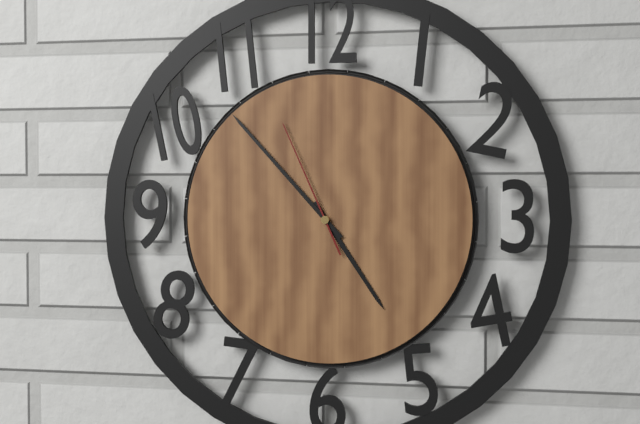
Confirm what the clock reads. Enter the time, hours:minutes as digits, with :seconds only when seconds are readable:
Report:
4:53:56
